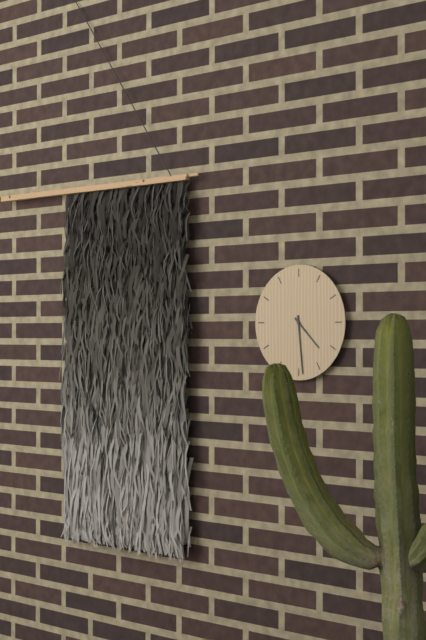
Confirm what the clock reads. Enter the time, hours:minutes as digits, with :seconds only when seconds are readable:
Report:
4:29
